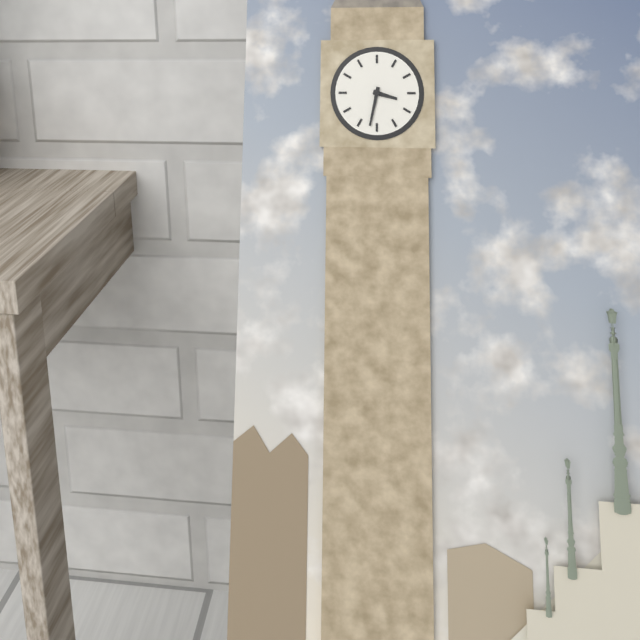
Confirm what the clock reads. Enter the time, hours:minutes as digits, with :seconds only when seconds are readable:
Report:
3:32
